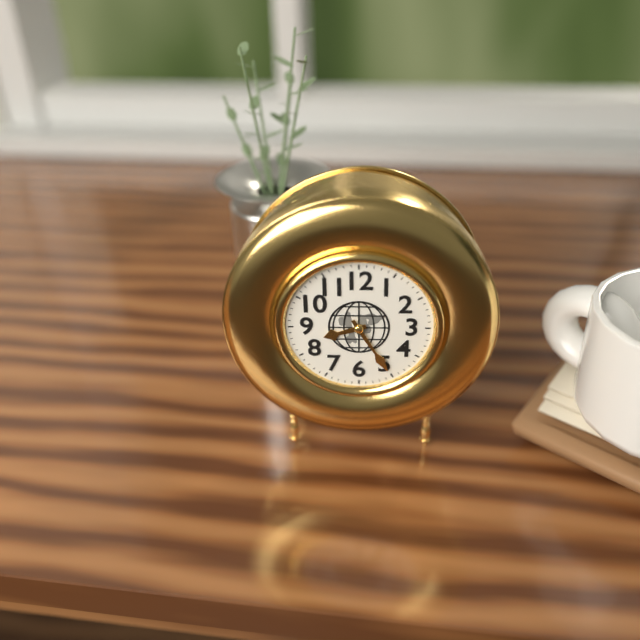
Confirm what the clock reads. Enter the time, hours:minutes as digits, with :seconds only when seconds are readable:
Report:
8:25
